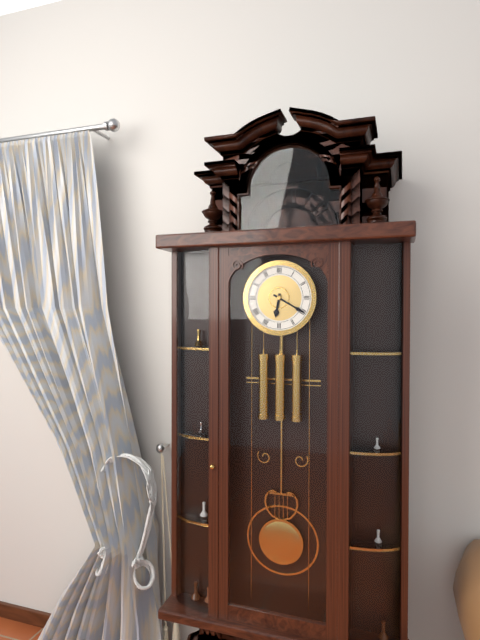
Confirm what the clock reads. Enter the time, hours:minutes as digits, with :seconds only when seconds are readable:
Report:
6:20
